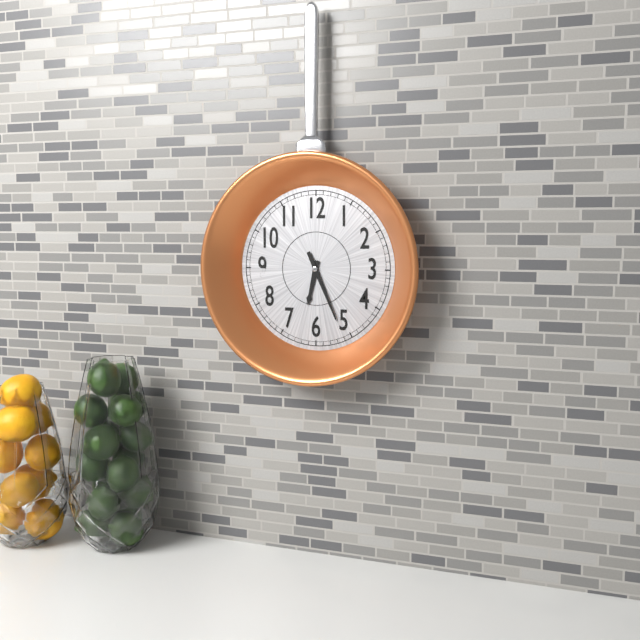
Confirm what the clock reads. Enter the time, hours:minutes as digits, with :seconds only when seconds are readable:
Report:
6:26
